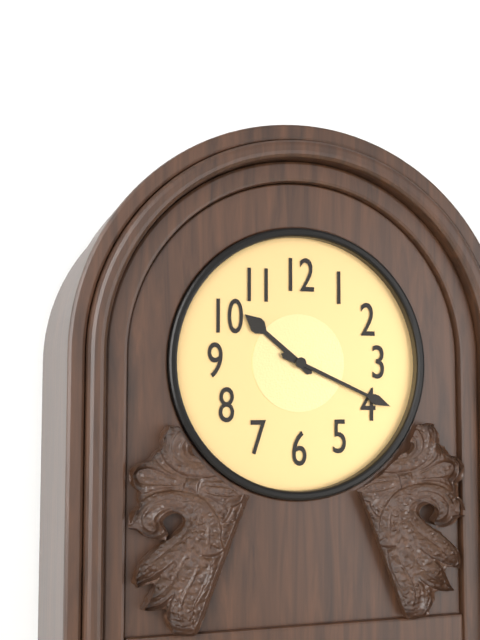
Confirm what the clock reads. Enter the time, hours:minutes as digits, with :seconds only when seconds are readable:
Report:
10:19
